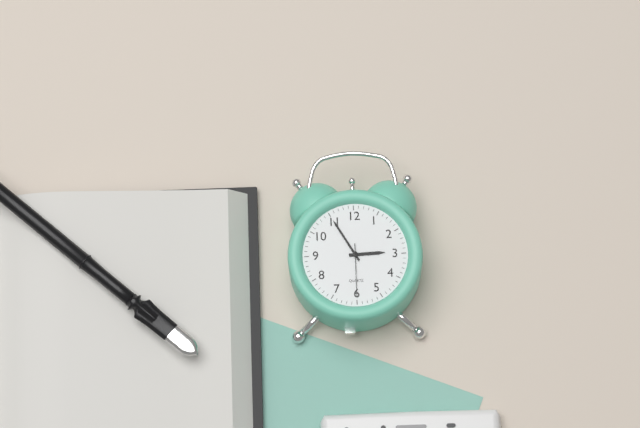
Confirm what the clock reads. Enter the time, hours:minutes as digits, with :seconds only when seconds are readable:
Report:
2:55:30
